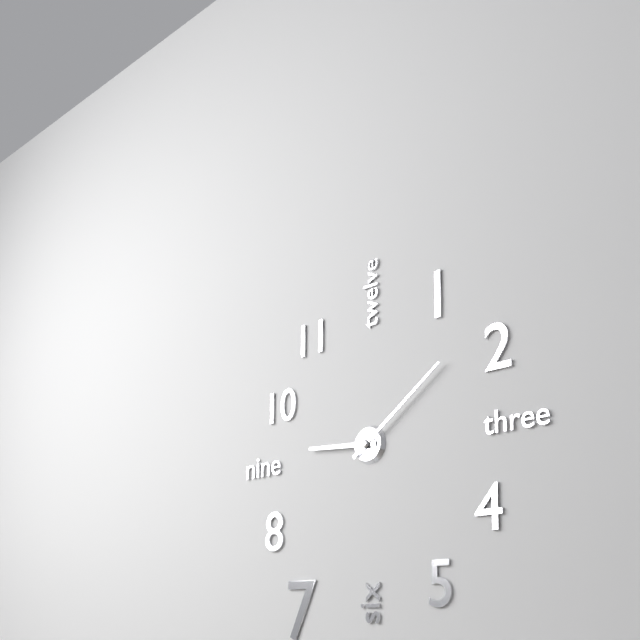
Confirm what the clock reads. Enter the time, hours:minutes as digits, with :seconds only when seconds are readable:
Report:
9:09
